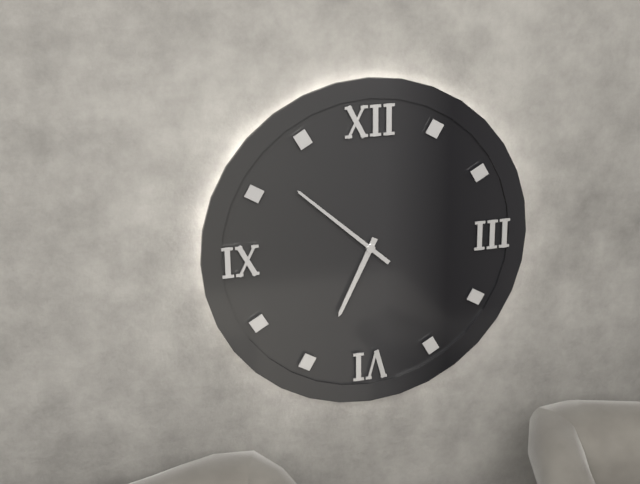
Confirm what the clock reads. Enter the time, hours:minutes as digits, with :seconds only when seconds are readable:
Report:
6:52
